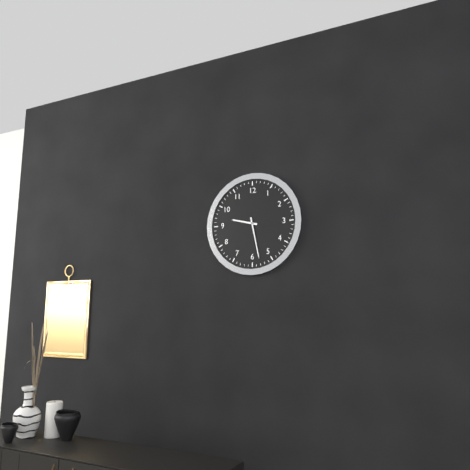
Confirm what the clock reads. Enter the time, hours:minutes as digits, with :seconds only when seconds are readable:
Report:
9:28
